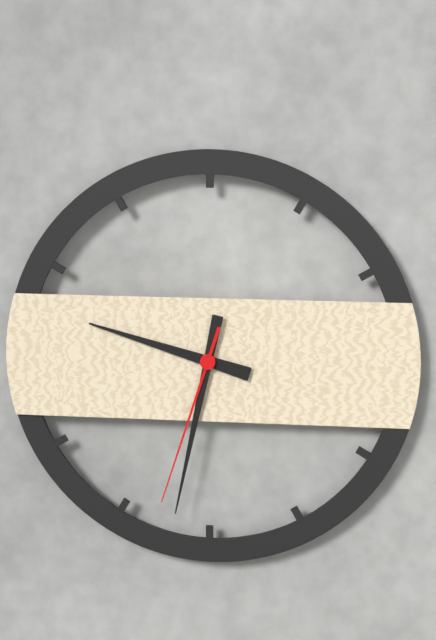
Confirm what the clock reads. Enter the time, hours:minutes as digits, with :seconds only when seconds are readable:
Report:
9:32:33
